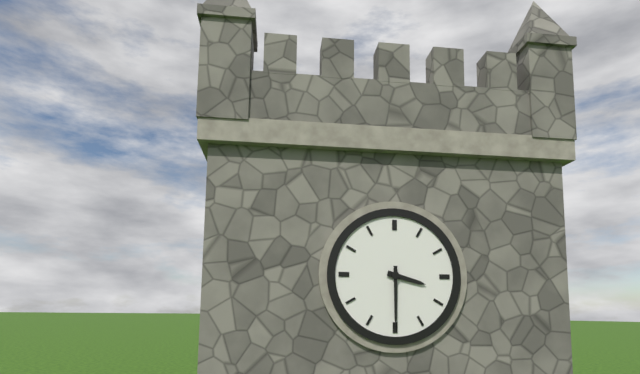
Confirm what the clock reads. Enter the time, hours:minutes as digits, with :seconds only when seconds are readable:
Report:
3:30
